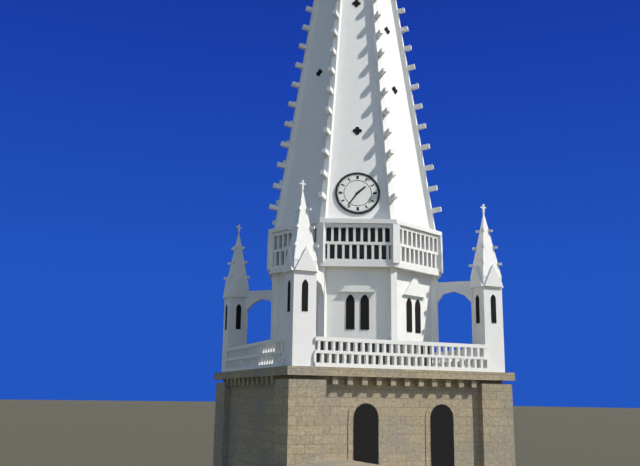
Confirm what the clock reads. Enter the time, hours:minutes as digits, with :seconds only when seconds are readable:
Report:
1:36
